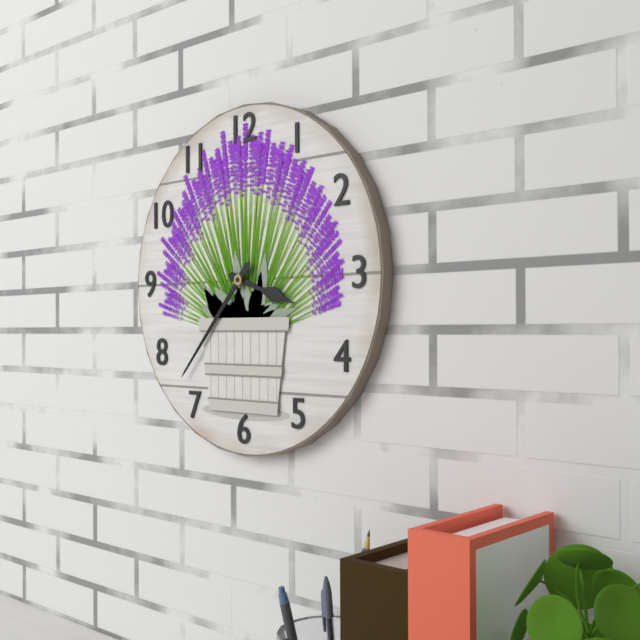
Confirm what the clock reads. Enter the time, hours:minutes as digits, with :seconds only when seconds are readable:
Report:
3:37
